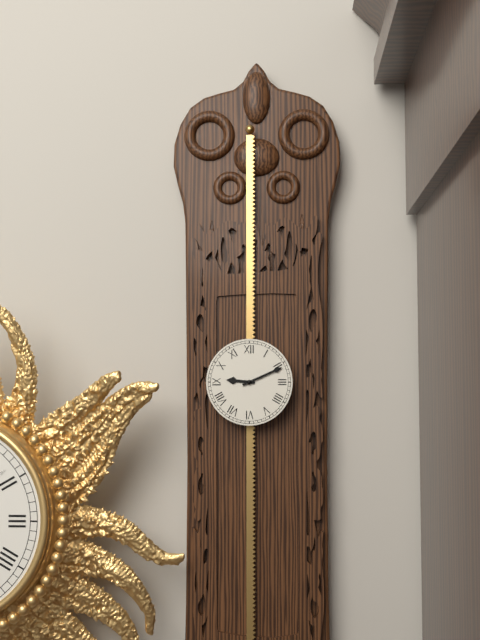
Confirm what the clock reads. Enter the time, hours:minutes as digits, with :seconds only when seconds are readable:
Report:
9:11
